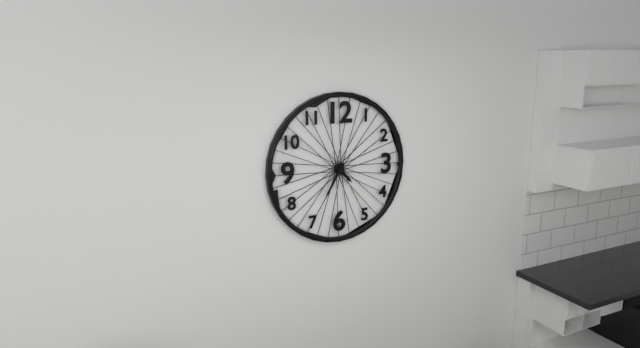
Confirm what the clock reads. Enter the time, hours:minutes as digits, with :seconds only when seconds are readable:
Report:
4:35
